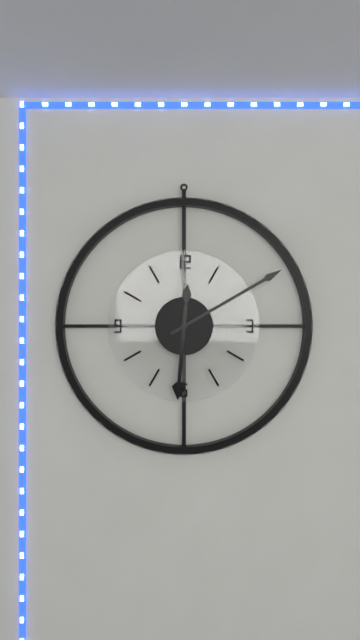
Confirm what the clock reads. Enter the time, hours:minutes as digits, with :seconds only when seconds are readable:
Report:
6:10
